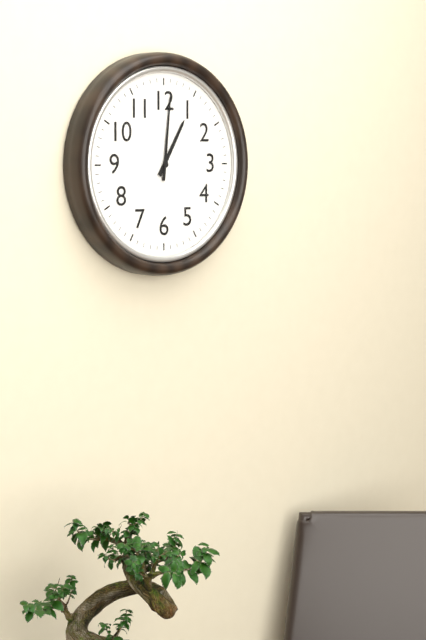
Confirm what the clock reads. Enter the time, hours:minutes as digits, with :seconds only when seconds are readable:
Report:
1:01
